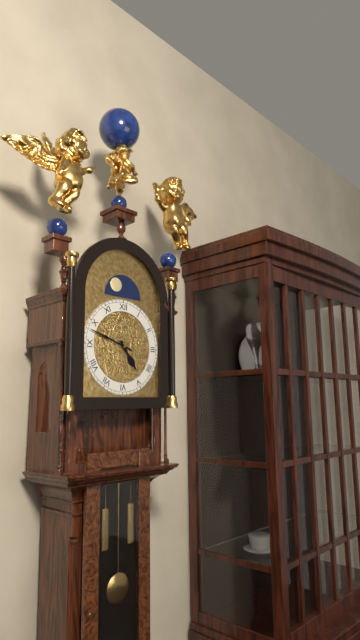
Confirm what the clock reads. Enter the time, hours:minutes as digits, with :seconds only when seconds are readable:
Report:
4:48
